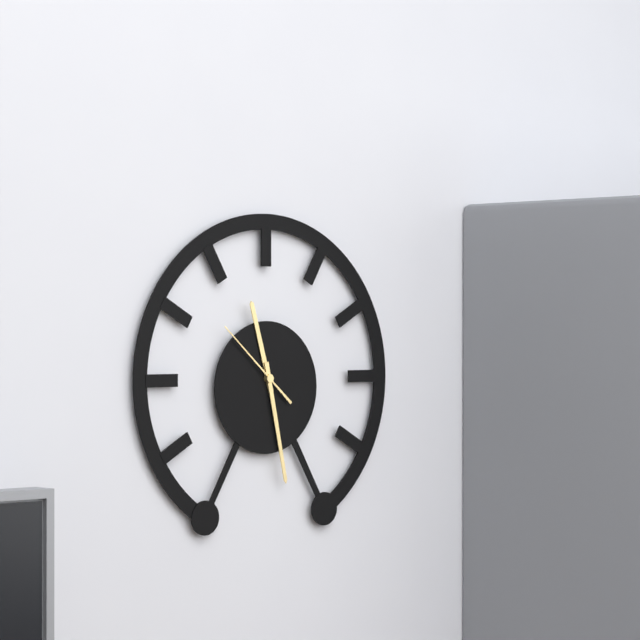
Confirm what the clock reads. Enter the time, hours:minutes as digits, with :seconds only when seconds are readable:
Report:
11:28:52
